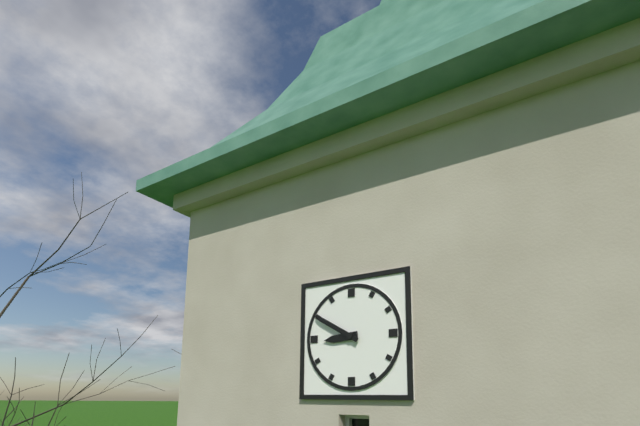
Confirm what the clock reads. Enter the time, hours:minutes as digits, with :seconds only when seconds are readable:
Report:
8:50
